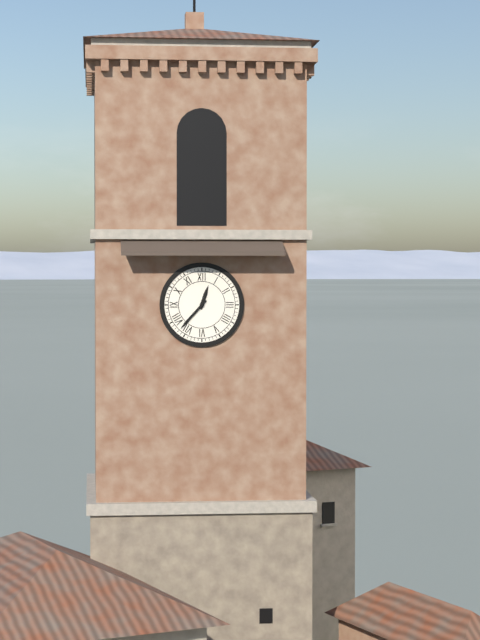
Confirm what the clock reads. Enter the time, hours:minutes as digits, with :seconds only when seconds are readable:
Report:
12:37
